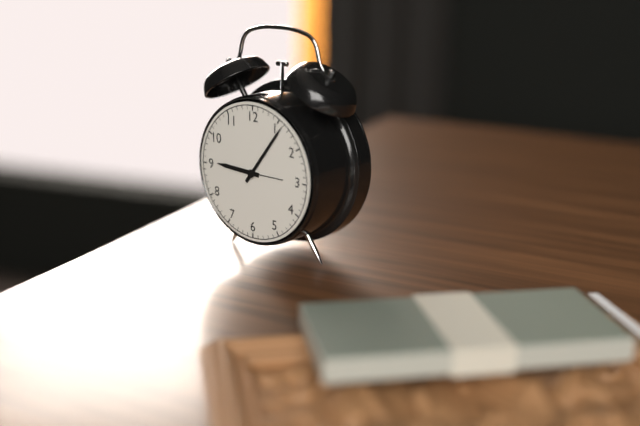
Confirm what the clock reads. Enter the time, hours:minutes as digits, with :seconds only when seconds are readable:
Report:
9:06
